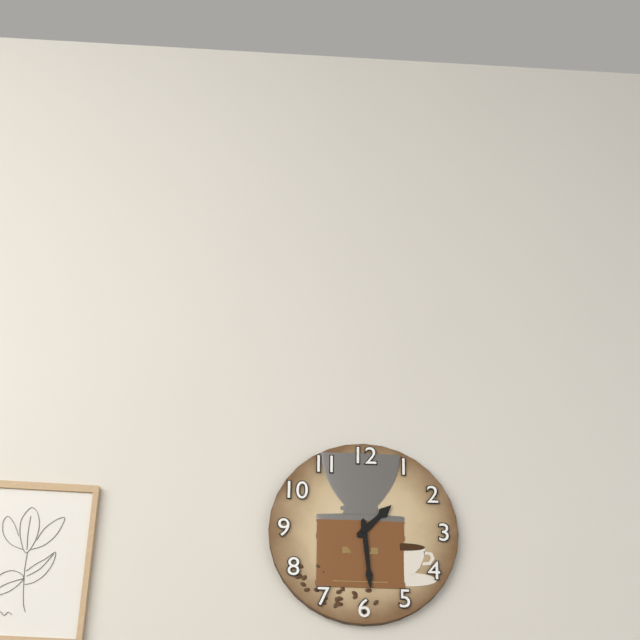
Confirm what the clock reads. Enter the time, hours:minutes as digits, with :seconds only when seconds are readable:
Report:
1:29
